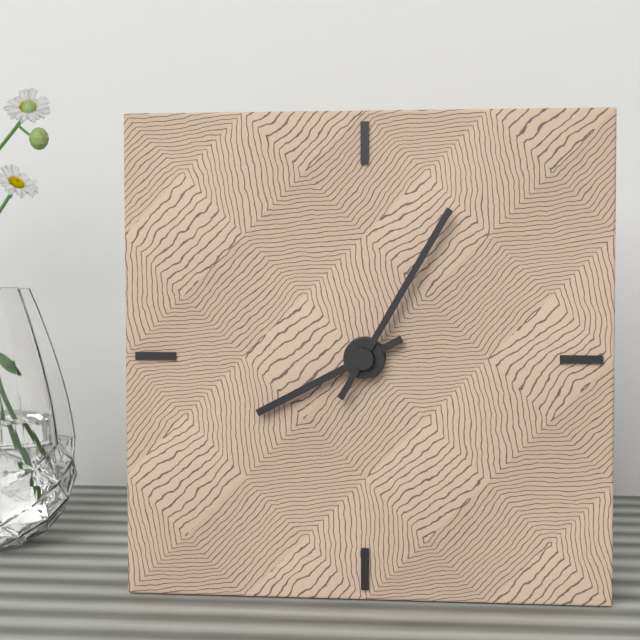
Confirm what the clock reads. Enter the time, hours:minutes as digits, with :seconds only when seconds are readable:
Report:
8:05
